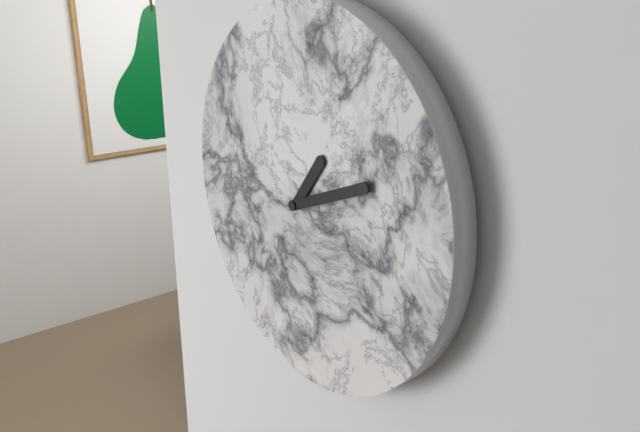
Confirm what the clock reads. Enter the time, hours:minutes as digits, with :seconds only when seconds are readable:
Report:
1:11
